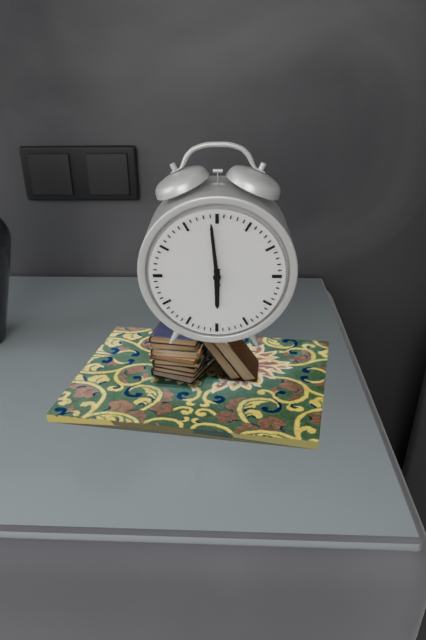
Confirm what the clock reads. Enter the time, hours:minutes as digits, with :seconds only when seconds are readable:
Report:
5:59
